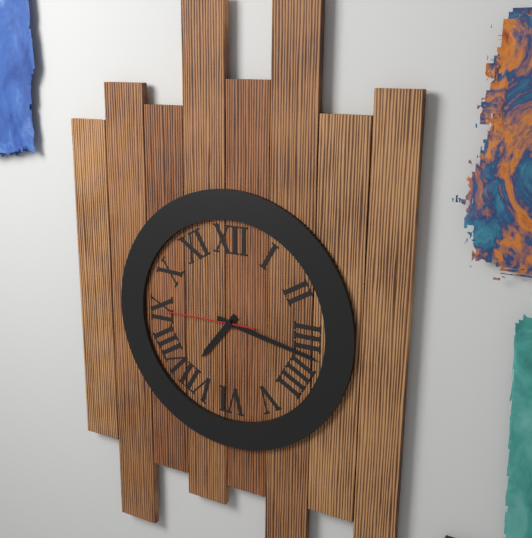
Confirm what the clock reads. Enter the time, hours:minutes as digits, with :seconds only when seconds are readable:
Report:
7:17:45
